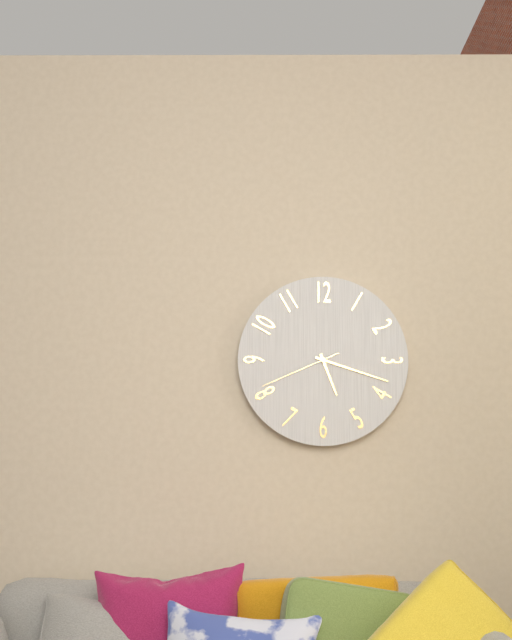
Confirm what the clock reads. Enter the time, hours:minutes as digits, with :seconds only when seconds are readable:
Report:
5:18:41
